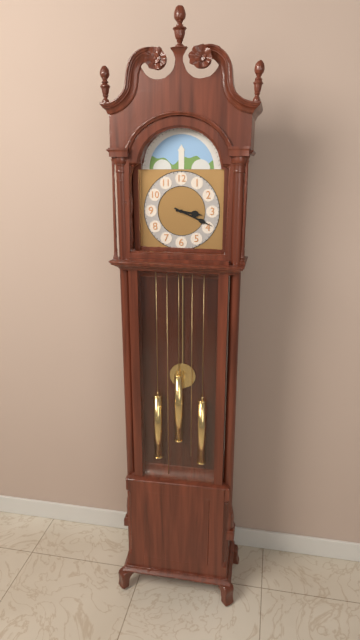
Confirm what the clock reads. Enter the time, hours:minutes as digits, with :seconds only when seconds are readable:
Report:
3:19
